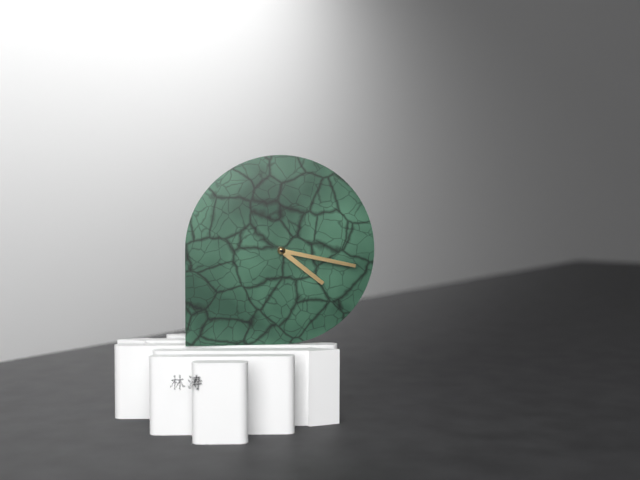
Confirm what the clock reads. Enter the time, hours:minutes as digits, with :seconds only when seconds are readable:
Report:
4:17
